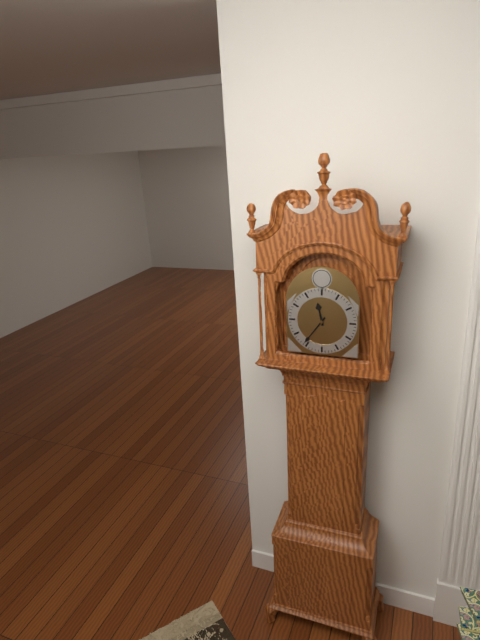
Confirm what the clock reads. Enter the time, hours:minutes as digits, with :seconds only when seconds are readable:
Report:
11:36
